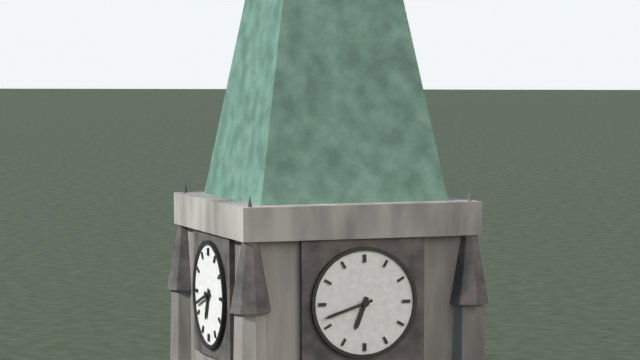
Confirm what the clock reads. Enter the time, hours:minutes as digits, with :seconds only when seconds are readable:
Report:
6:42
